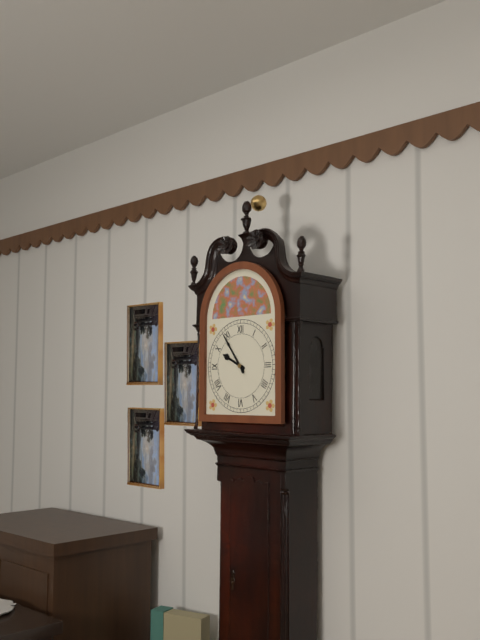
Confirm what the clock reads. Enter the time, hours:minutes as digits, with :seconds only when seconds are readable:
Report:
9:54
